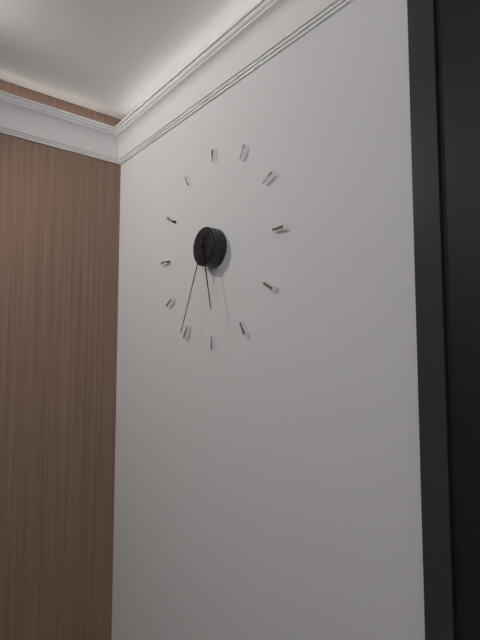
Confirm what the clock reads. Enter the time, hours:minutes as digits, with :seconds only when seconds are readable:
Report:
5:34
